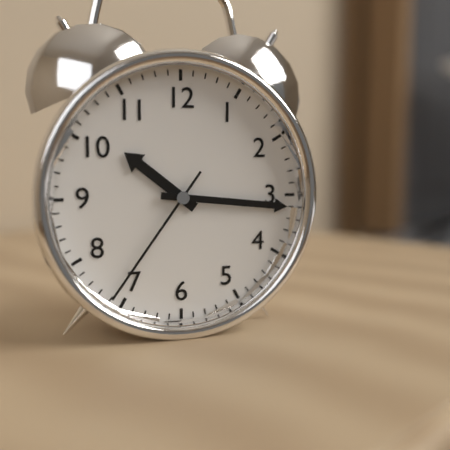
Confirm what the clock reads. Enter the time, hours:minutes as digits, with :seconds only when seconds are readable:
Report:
10:16:36
